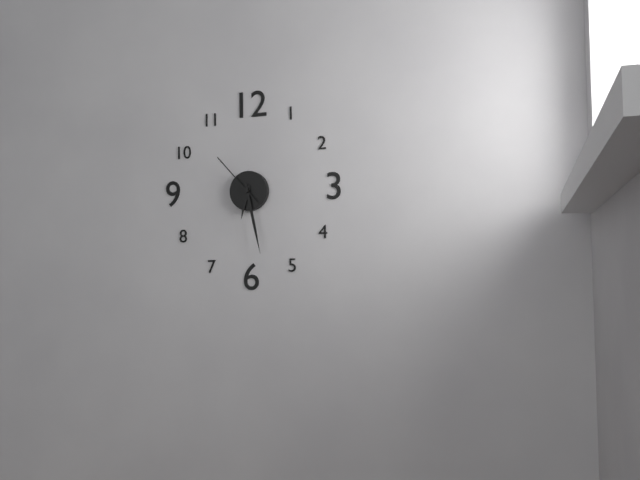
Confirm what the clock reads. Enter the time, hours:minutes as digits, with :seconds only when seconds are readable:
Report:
6:28:53
